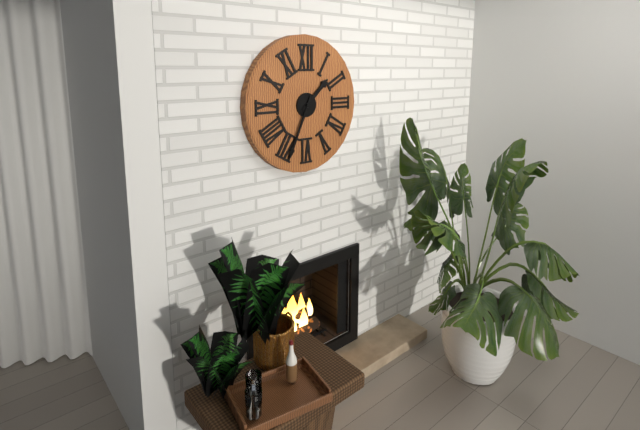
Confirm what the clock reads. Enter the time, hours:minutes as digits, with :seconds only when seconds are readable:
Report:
1:34
